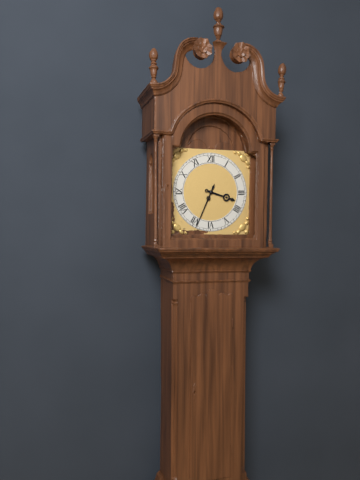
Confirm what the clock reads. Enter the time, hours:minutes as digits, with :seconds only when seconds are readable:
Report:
3:34
